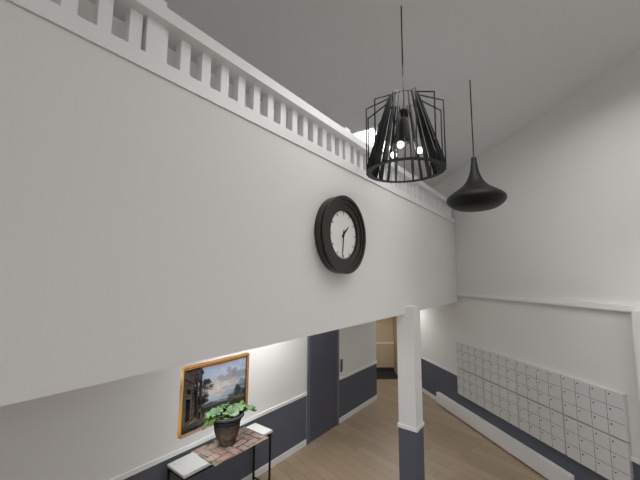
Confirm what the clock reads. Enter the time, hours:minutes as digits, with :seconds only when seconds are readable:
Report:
1:31
